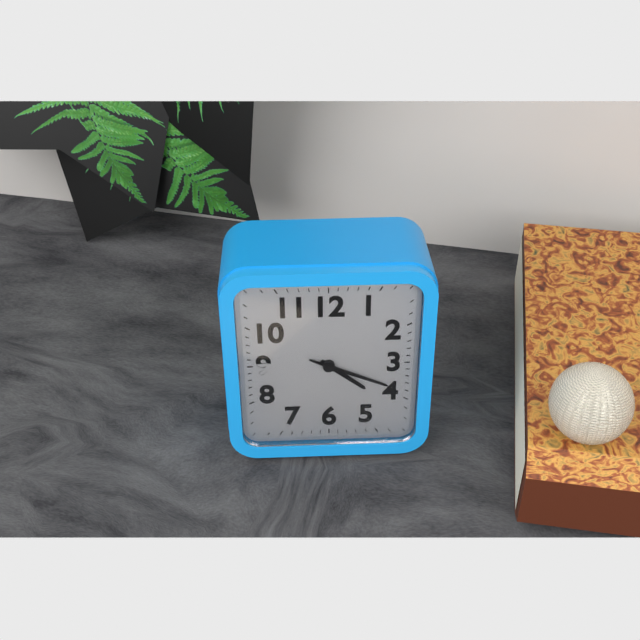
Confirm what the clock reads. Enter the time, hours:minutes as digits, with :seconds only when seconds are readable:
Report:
4:19
